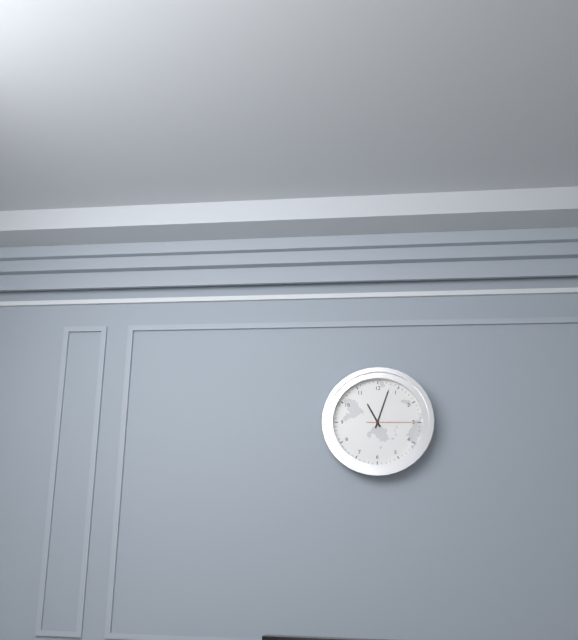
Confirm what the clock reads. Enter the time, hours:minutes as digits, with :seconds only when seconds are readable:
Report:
11:03:15
